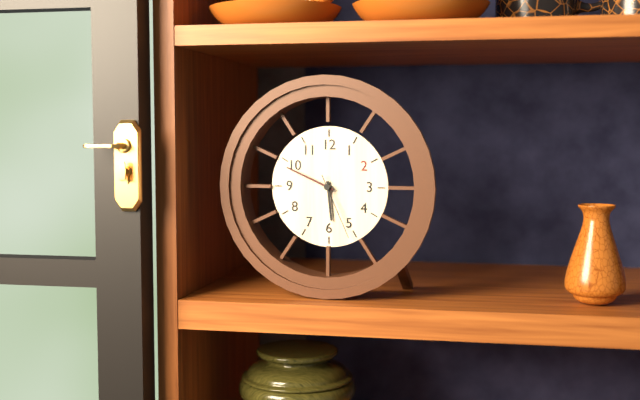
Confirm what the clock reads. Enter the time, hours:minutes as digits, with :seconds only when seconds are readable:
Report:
5:49:26
